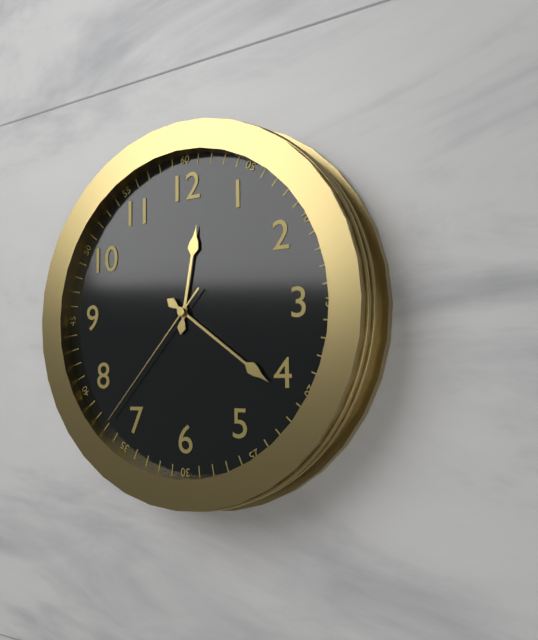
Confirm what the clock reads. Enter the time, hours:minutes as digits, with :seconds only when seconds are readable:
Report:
12:21:37
